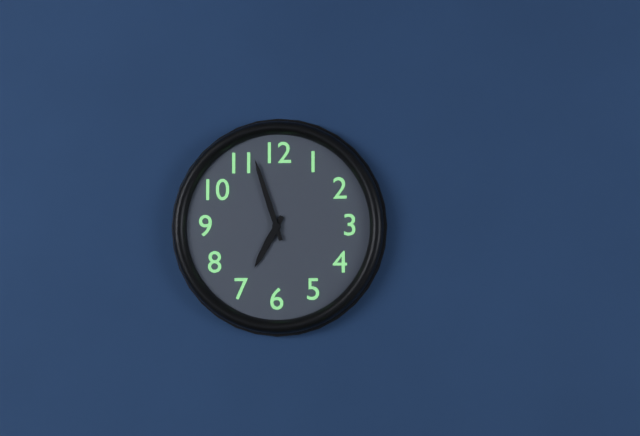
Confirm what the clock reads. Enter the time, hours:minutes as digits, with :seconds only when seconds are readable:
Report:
6:57
